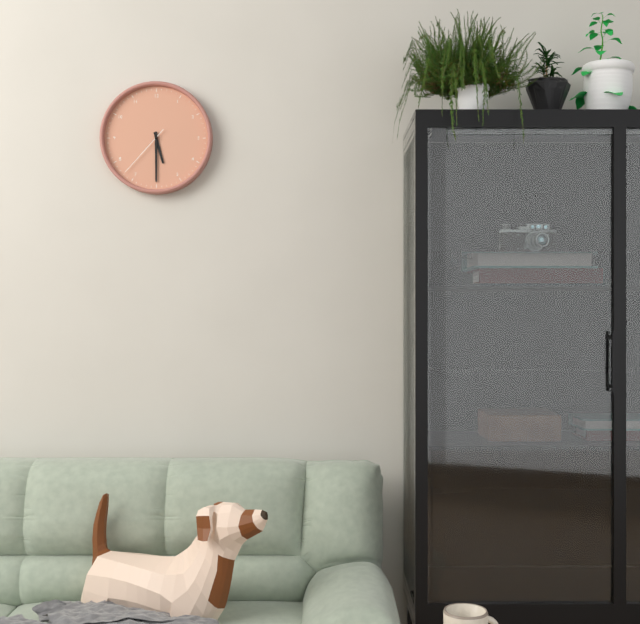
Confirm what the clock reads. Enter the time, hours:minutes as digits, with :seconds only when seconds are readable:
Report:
5:30:37
